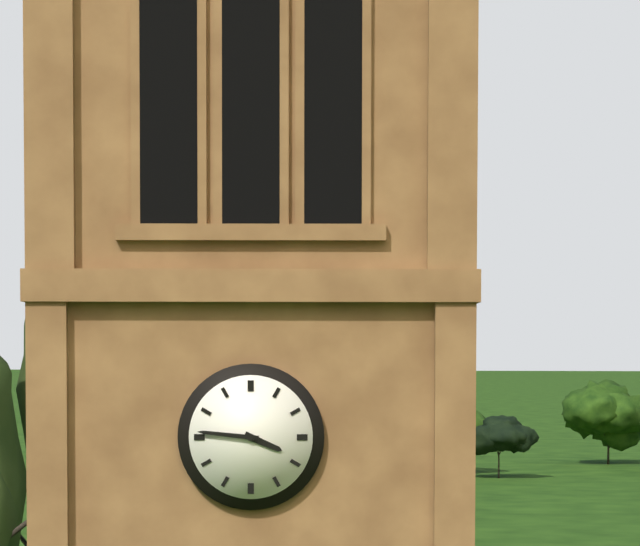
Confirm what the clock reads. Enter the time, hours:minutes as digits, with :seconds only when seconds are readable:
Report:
3:46
